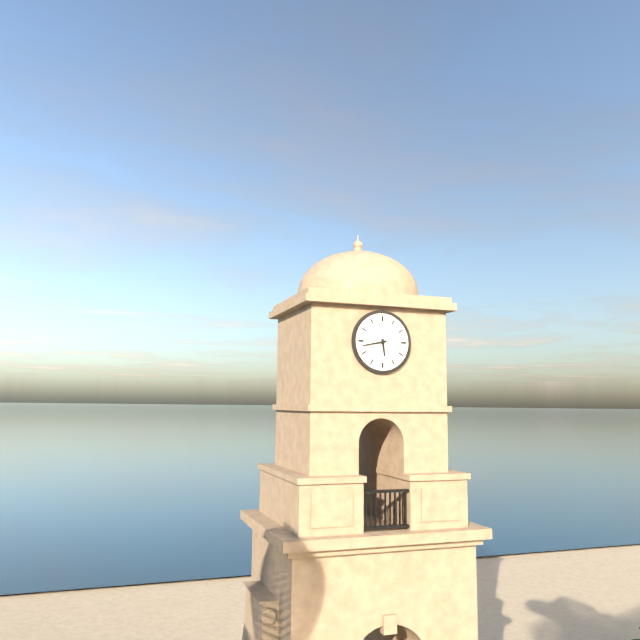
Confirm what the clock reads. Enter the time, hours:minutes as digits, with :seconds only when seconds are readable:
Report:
5:43
